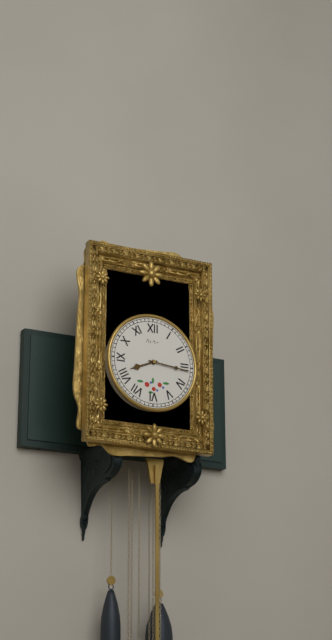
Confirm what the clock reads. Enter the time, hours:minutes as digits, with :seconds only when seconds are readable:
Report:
8:16
